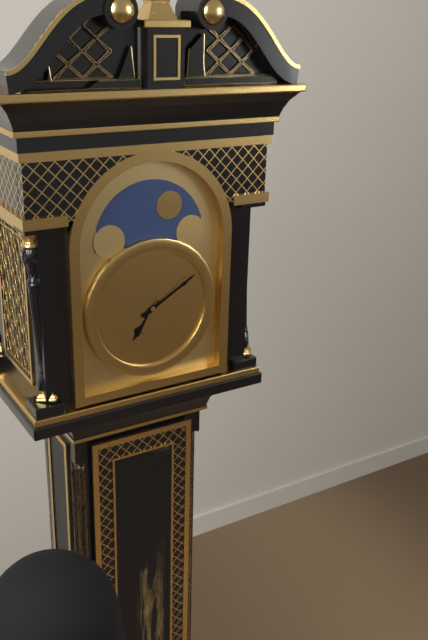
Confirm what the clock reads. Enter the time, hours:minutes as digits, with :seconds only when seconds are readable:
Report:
7:10
